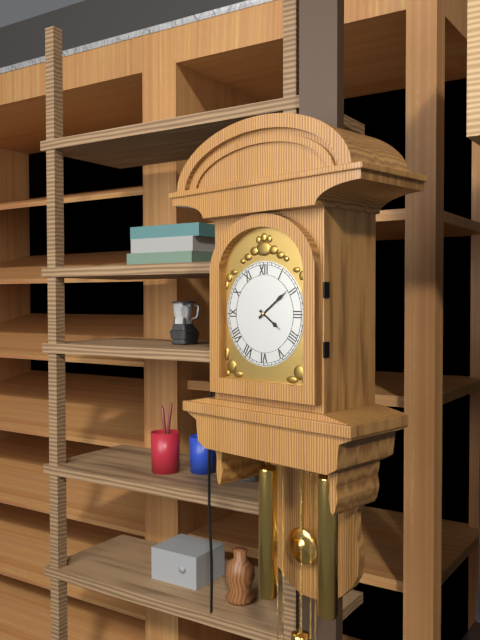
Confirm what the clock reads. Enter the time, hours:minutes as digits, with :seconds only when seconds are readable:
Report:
4:09
